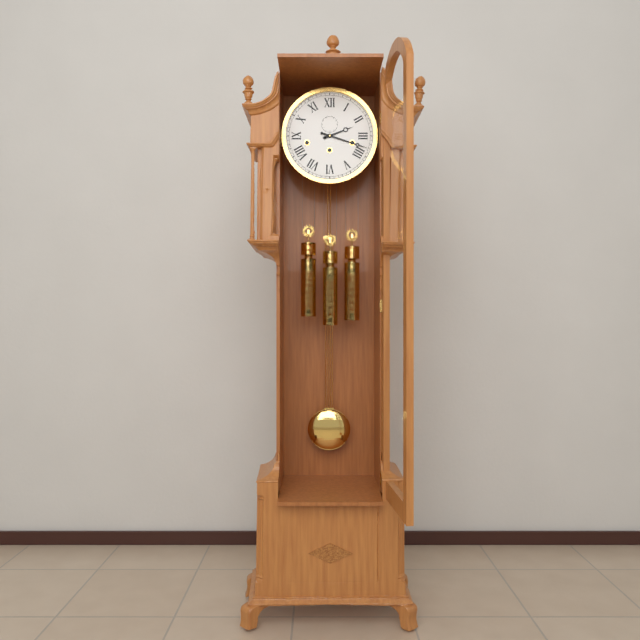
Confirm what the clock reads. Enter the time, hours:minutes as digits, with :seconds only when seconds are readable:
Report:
2:18
